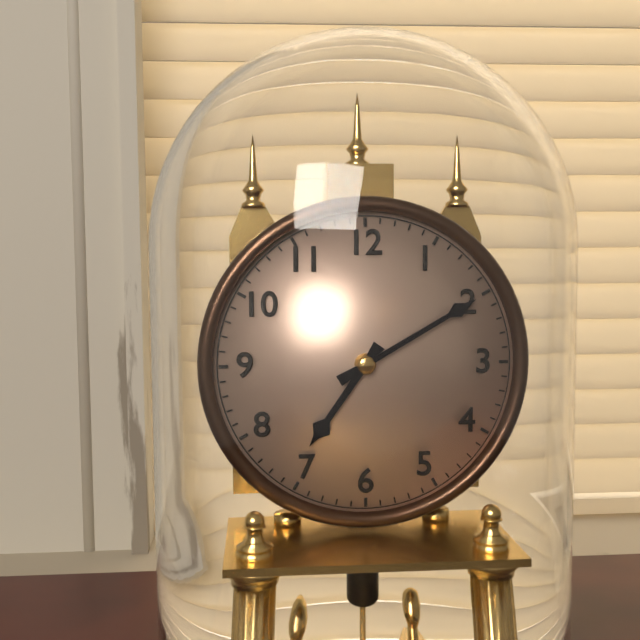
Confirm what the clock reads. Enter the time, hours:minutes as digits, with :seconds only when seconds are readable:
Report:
7:10
